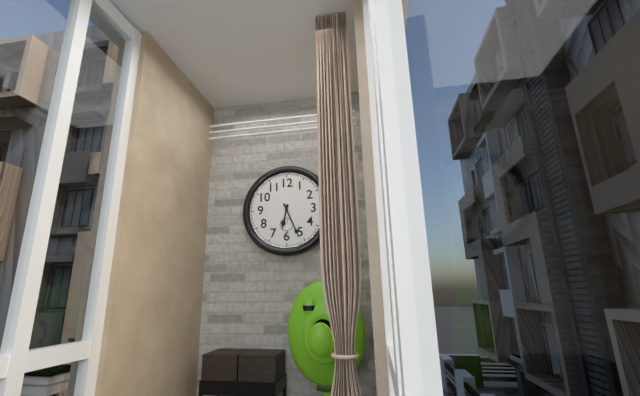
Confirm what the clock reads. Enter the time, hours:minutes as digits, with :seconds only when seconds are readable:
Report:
6:26
